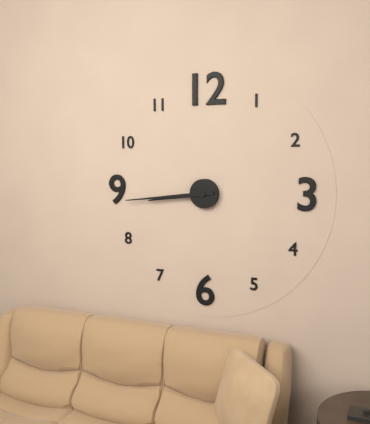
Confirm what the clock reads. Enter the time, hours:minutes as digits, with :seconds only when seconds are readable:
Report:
8:44
